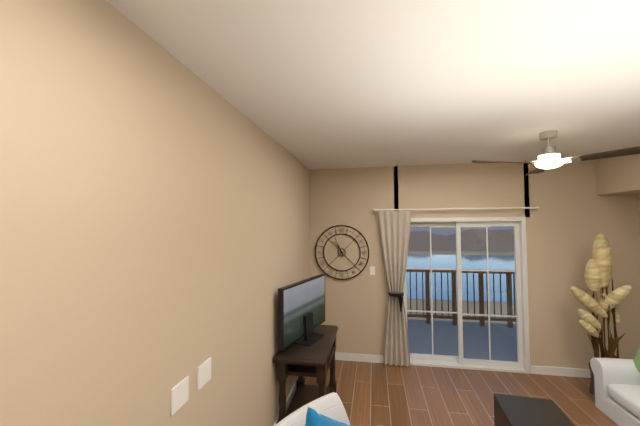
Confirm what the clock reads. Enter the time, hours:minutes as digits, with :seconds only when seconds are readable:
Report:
10:56
